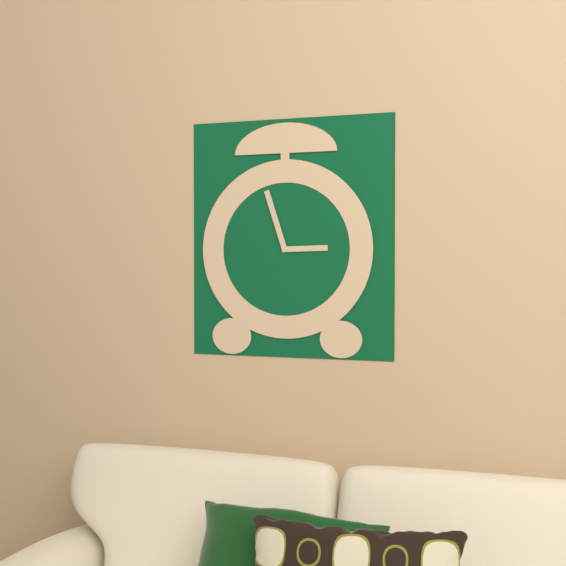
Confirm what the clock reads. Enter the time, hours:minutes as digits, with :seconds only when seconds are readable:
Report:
2:57
